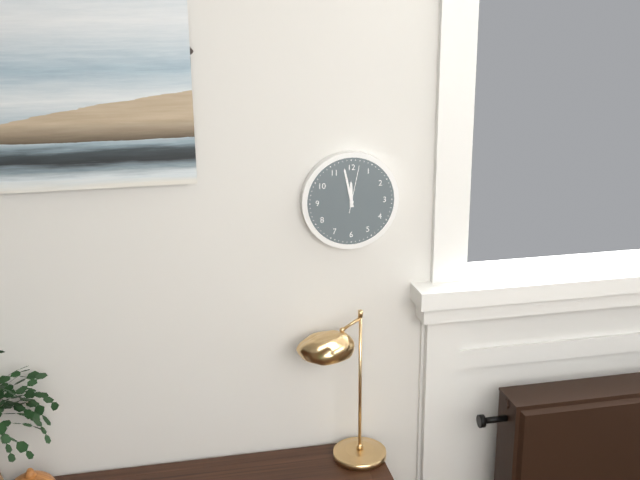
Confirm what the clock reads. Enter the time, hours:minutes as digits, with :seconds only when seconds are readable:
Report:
11:58
